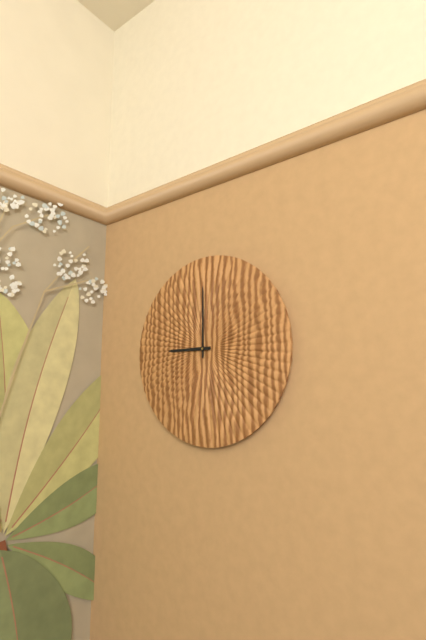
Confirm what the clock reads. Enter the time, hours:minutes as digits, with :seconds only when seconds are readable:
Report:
9:00
